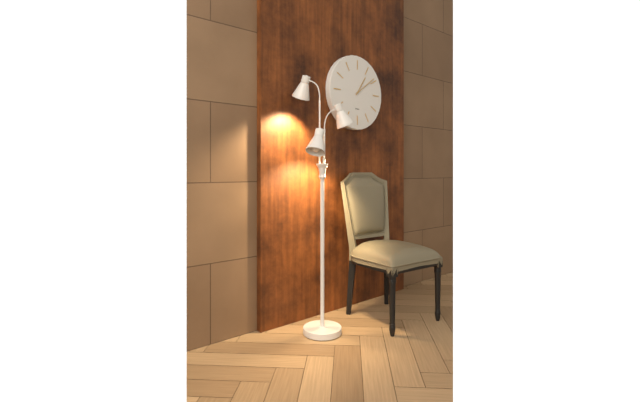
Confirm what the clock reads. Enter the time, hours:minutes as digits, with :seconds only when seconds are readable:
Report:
1:09
